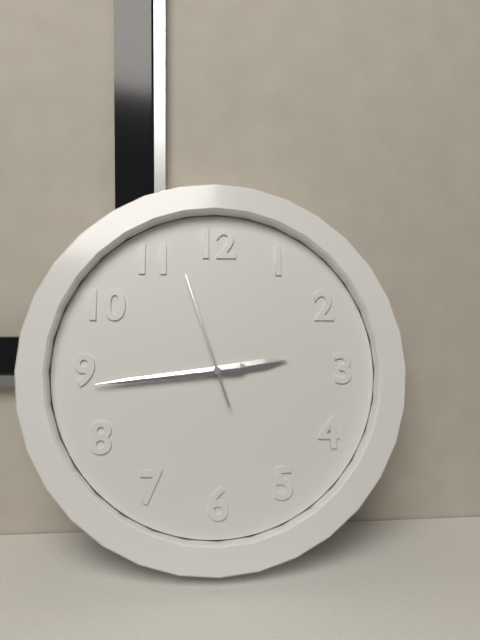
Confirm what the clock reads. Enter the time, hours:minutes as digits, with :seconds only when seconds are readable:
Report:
2:44:57
